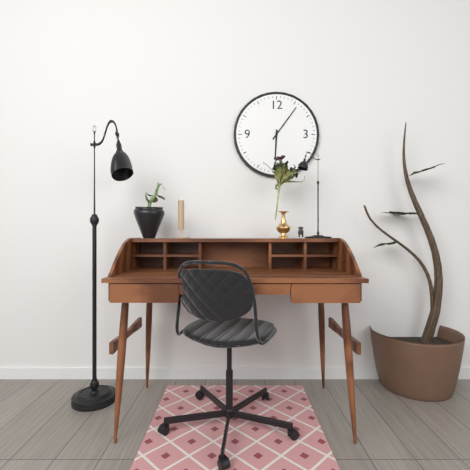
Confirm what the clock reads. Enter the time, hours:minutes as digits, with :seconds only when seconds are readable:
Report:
6:06
